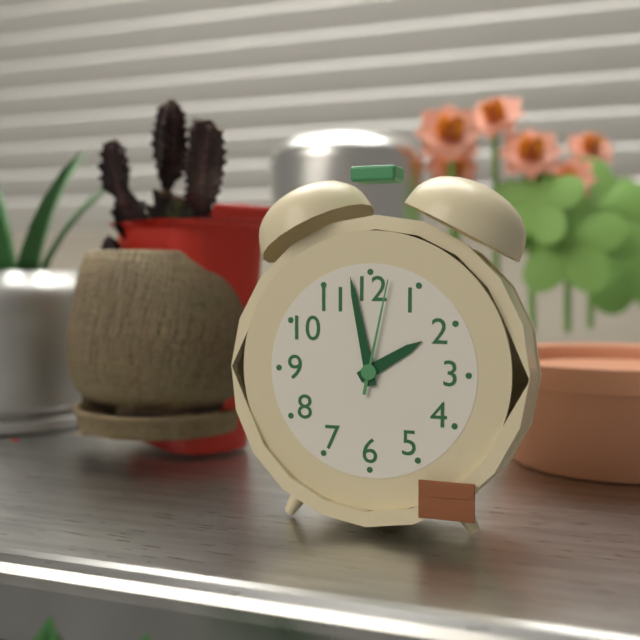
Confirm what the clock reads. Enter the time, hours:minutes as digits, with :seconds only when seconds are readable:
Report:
1:58:02
